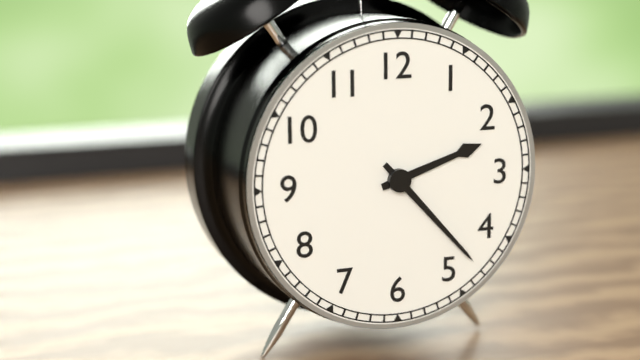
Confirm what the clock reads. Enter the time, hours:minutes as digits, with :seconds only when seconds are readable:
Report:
2:23
